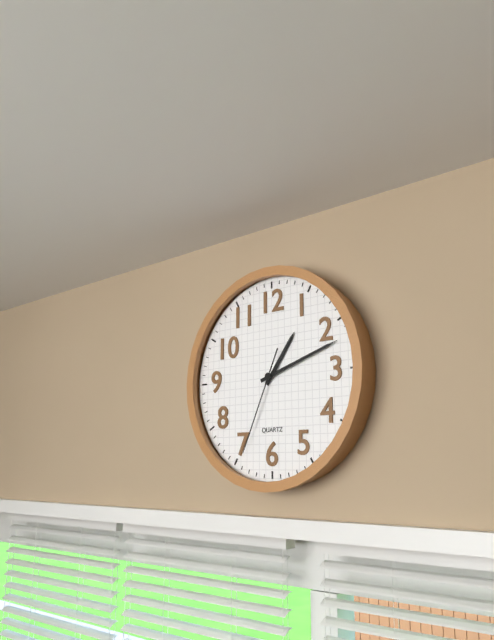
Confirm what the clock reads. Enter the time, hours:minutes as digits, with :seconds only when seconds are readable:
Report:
1:12:34
